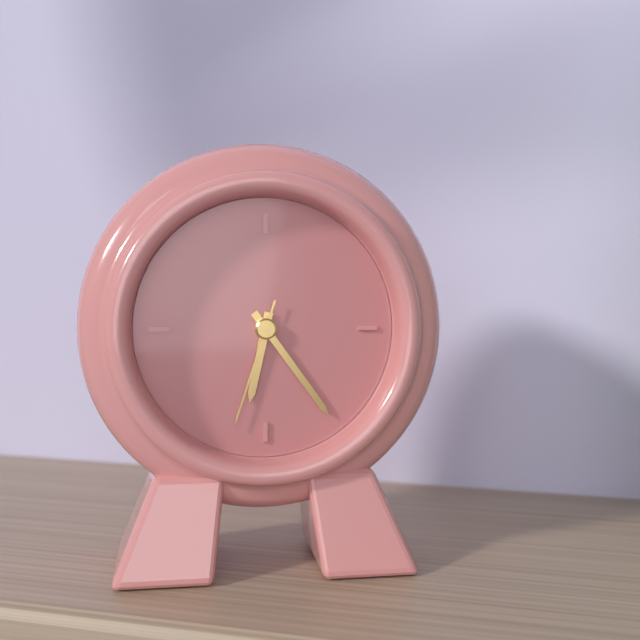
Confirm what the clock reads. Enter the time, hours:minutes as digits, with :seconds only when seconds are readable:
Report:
6:24:33
